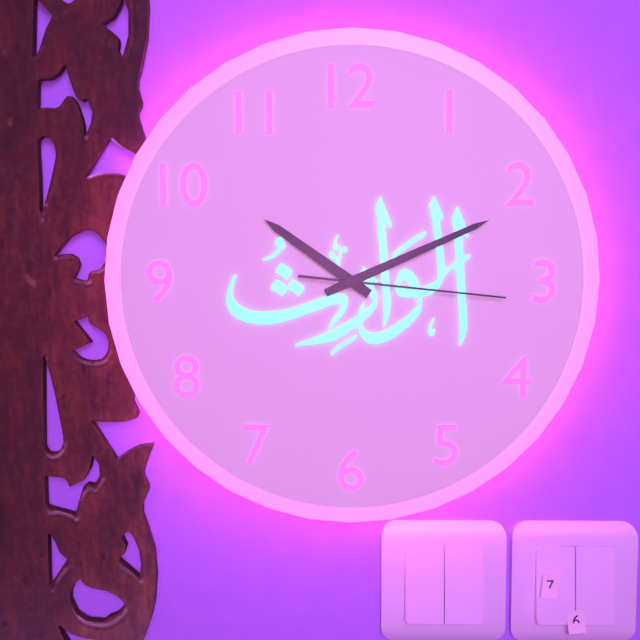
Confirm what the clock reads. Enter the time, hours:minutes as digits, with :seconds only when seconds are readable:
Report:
10:11:16
